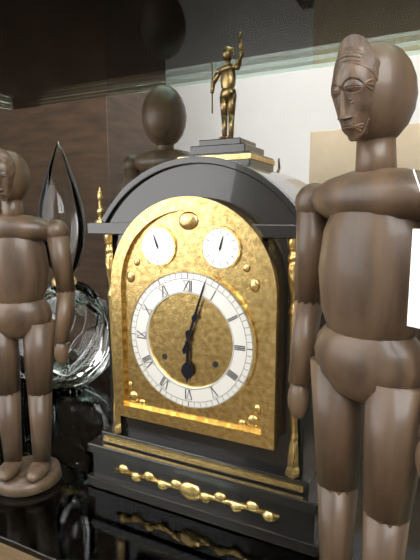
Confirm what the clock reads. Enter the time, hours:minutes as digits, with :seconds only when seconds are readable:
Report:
6:03
